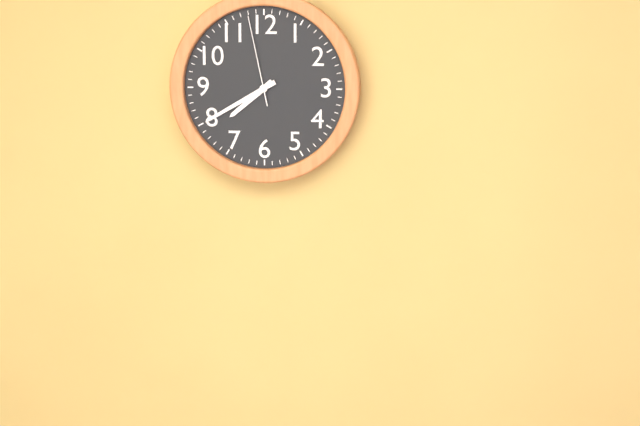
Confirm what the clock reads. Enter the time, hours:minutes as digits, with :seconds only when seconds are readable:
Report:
7:40:58
